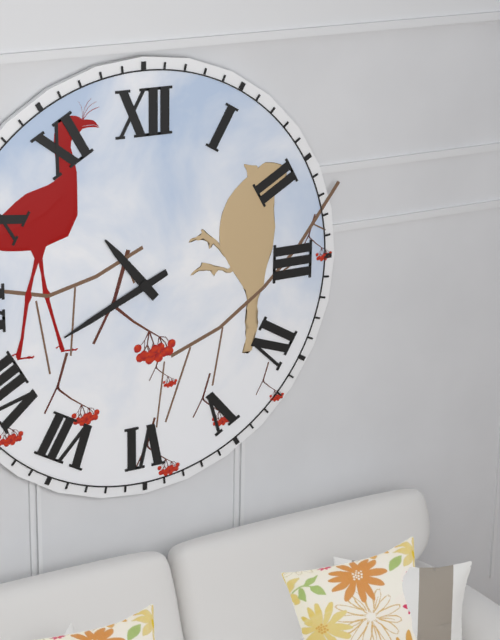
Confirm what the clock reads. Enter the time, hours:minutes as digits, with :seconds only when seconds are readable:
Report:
10:41
